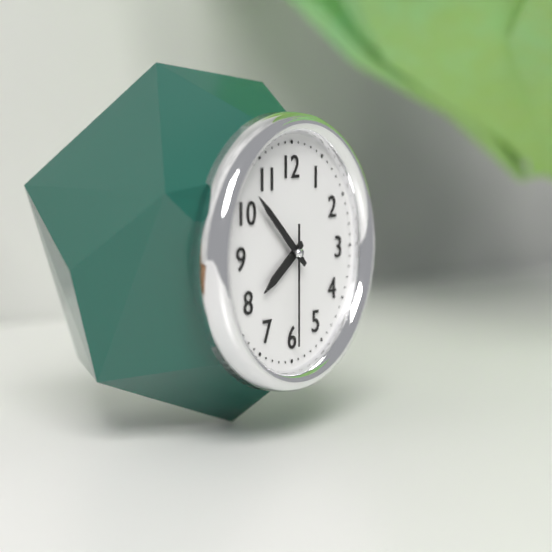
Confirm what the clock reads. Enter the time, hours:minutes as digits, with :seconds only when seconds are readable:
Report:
7:52:30
